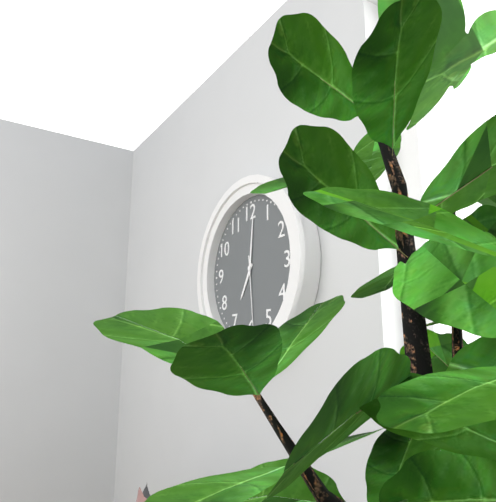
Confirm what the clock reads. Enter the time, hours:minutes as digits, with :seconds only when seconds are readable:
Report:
7:01:29
